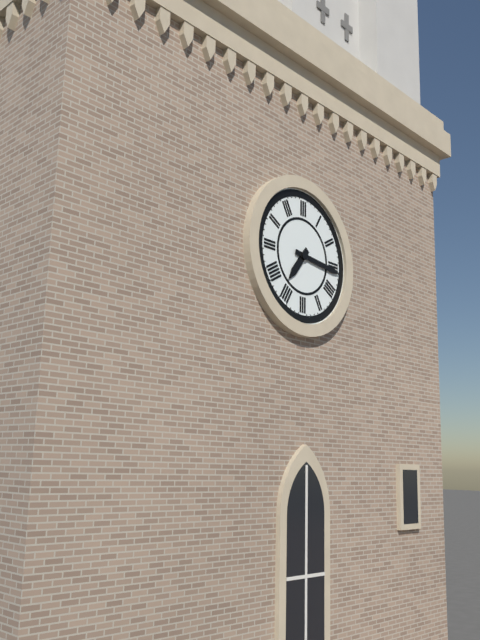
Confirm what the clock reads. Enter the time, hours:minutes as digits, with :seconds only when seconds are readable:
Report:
7:16
